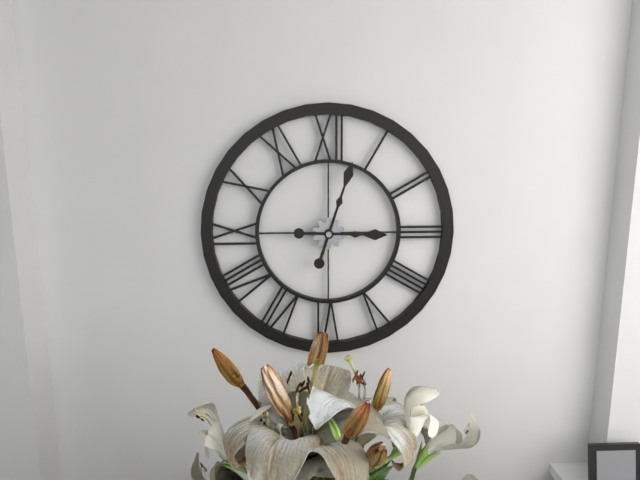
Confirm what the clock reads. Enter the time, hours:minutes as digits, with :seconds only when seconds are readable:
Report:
3:03
